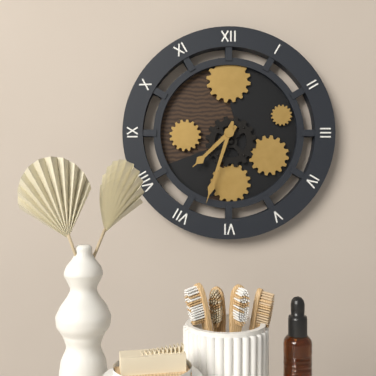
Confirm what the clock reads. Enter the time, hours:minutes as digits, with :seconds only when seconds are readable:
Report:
7:33
